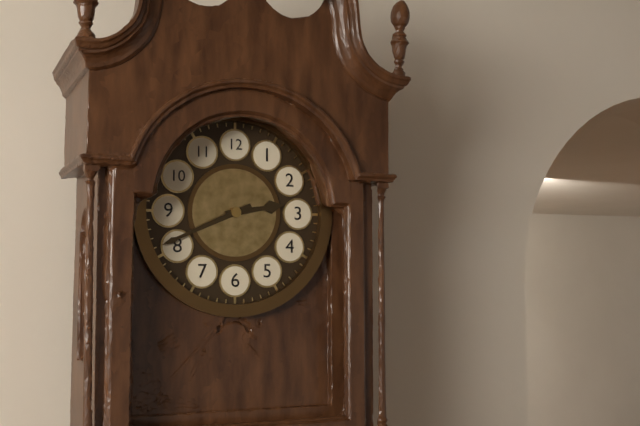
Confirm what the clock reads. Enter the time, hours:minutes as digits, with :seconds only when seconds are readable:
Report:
2:41
